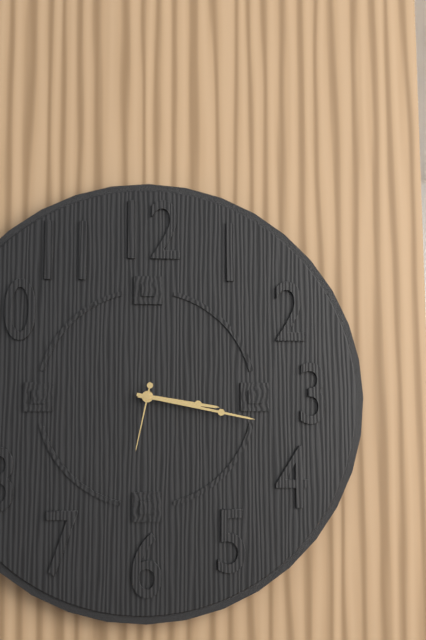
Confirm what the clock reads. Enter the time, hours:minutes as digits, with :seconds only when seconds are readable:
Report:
3:17:32
